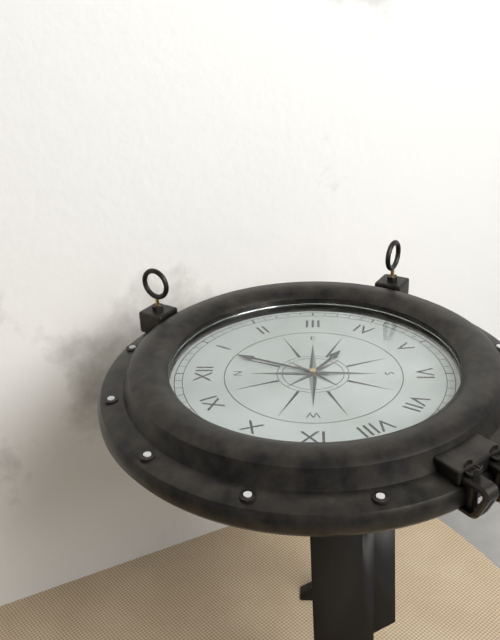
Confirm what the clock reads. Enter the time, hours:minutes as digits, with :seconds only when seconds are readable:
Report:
4:04
